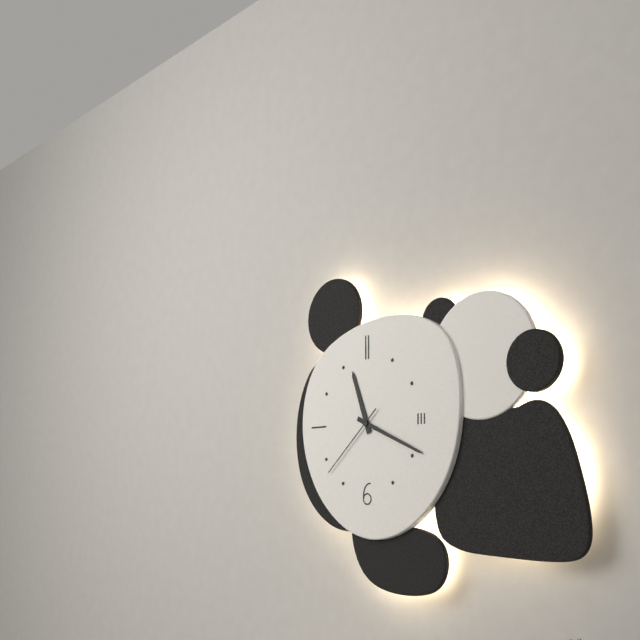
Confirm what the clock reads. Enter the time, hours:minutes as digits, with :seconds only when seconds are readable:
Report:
11:19:38
